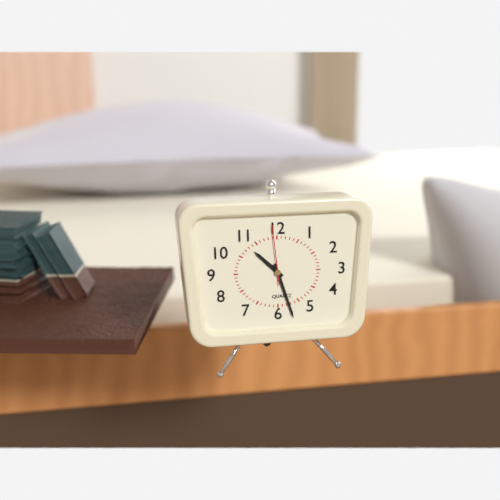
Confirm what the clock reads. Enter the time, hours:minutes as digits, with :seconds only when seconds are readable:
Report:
10:27:59
